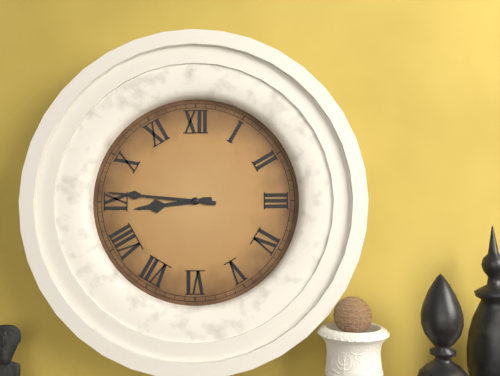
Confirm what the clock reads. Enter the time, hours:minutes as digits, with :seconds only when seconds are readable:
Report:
8:46
